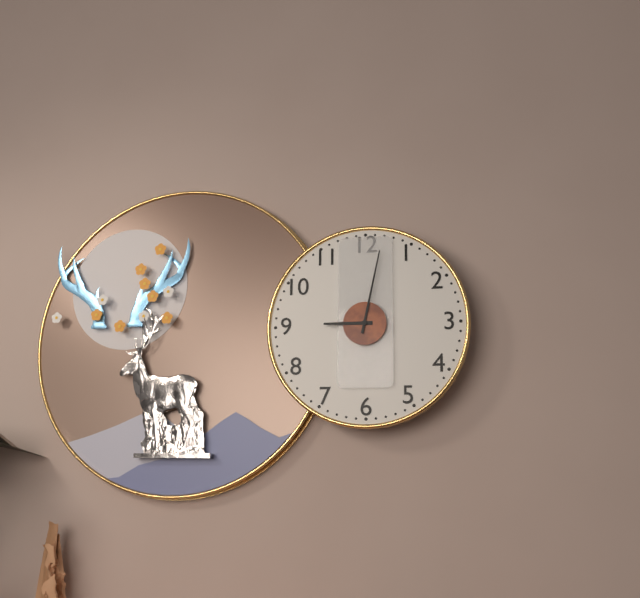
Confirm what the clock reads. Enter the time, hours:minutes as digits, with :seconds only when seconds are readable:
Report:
9:02
